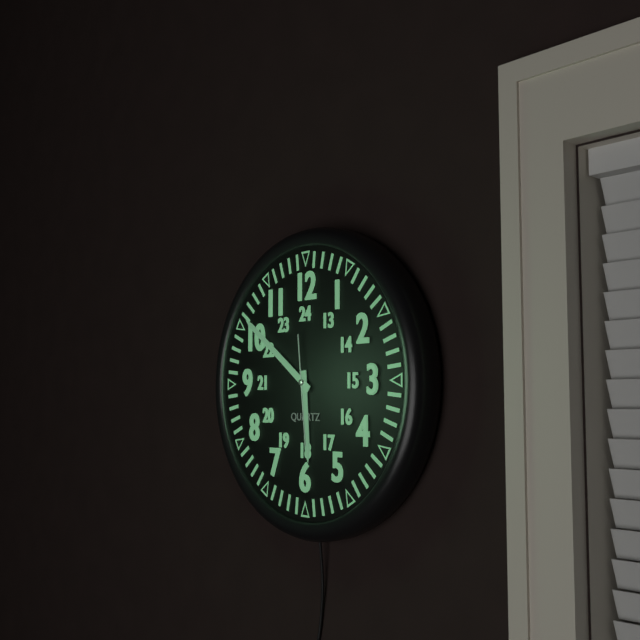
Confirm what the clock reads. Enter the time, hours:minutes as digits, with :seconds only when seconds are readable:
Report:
5:51:29
